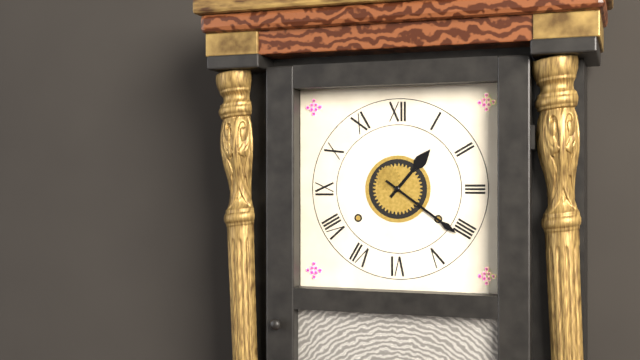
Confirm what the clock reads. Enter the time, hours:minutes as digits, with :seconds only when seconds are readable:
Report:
1:21
